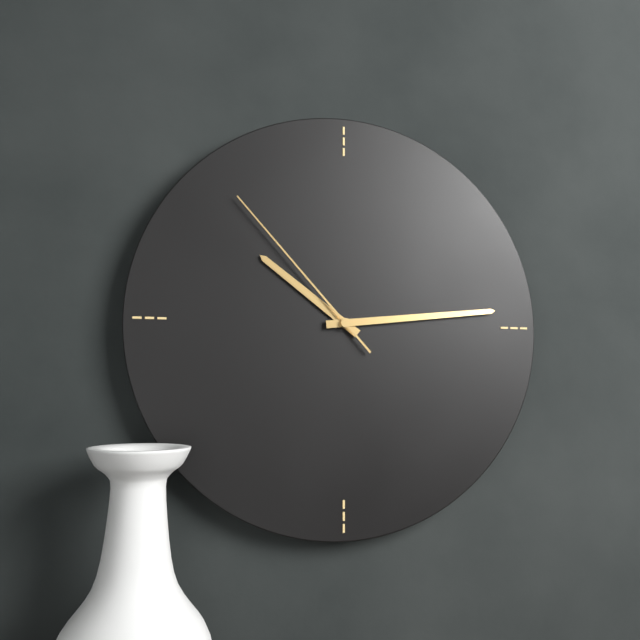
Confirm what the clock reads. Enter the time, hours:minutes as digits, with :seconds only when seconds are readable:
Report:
10:14:53
